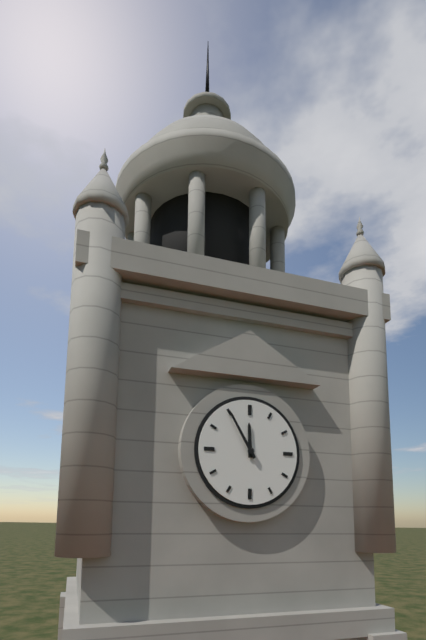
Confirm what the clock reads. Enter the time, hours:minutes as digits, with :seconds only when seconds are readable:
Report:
11:55
